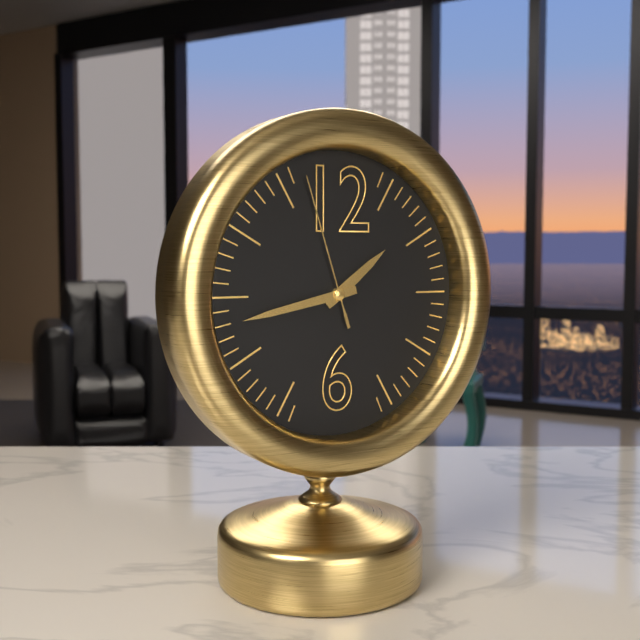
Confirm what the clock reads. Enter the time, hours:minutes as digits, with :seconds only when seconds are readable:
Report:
1:43:57
